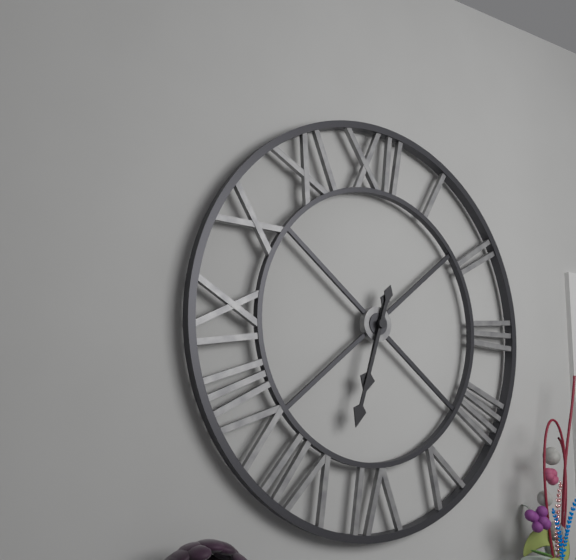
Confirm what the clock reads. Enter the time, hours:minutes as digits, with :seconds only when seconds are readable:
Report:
6:33
